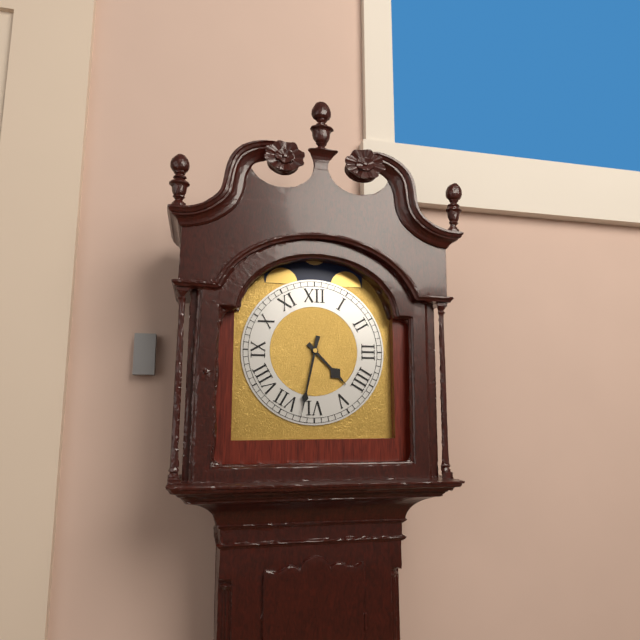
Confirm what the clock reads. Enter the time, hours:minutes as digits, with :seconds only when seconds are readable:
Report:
4:32
